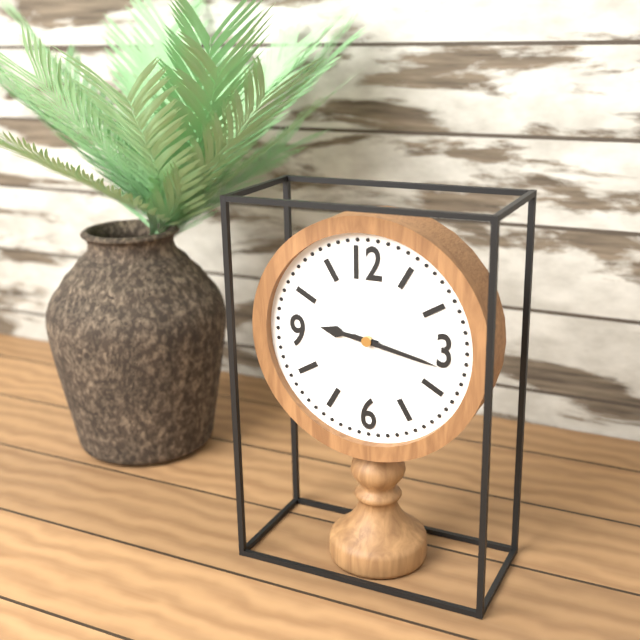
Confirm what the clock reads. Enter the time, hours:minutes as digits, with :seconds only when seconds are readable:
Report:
9:17
